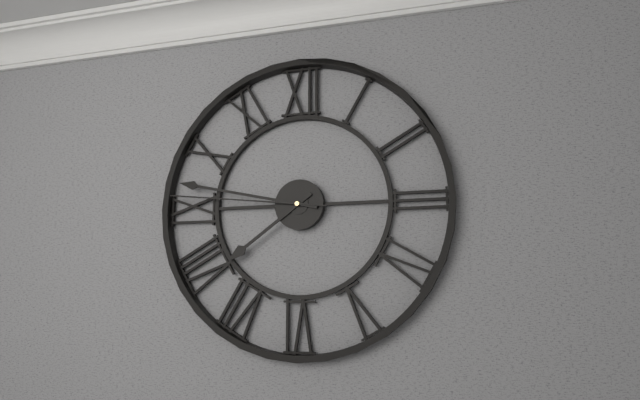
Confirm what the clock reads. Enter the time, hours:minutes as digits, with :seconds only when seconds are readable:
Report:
7:47:46
